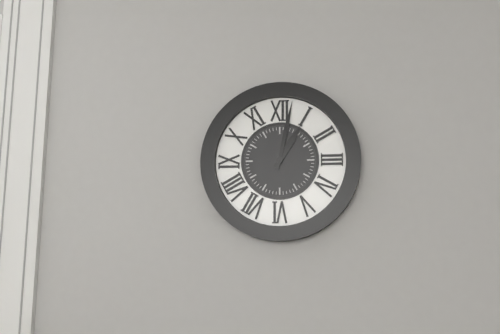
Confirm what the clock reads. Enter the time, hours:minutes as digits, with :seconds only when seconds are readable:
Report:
1:02
